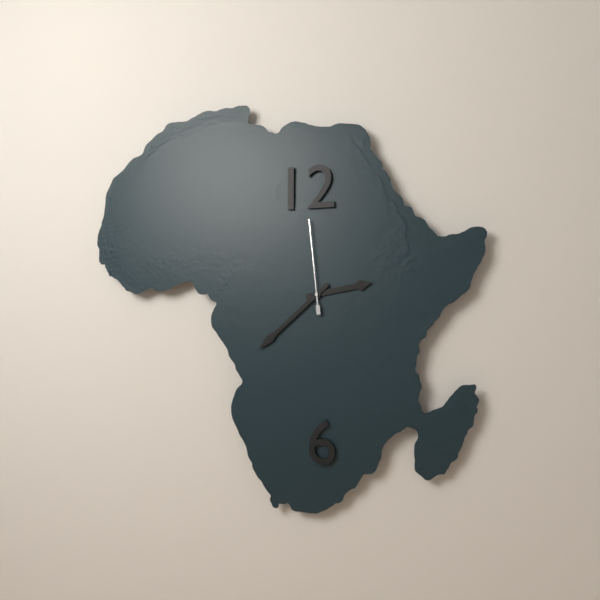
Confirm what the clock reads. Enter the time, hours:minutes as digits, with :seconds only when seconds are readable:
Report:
2:38:59
